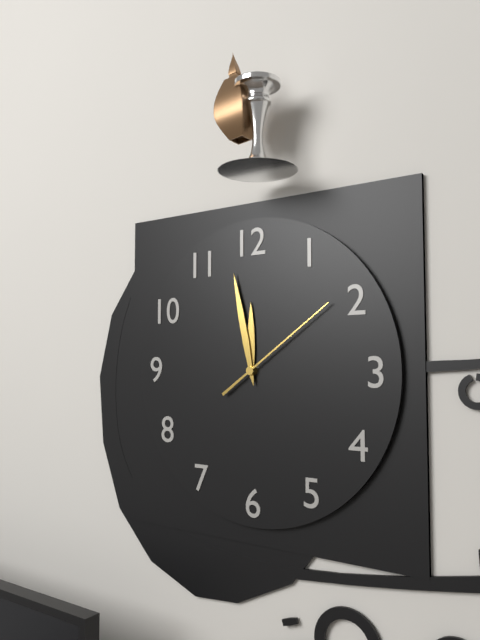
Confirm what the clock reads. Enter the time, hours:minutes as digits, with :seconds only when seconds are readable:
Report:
11:58:09
